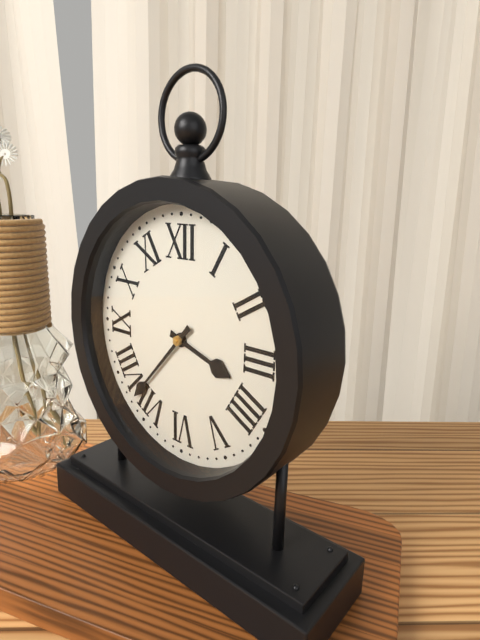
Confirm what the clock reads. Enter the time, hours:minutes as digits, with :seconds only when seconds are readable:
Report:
3:37
